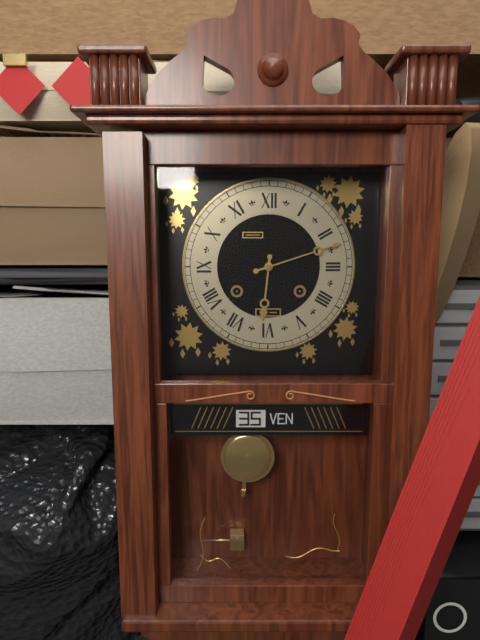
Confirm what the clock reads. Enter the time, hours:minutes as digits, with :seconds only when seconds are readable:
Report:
6:12
